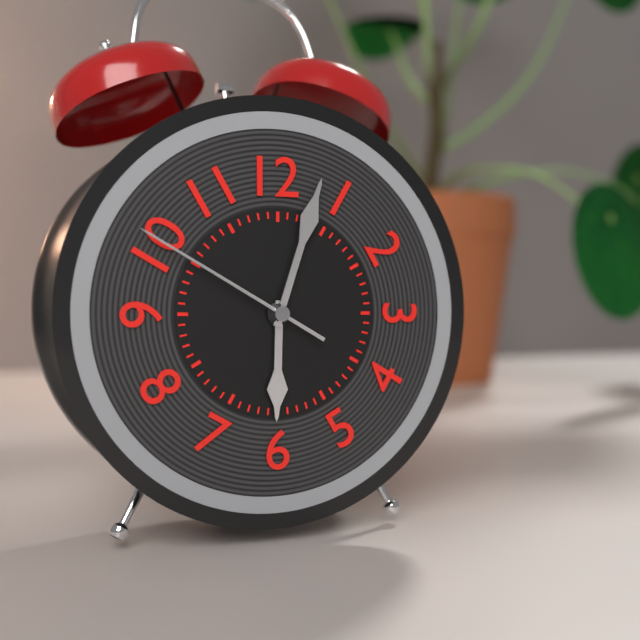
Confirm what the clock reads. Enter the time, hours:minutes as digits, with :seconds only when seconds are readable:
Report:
6:03:50
